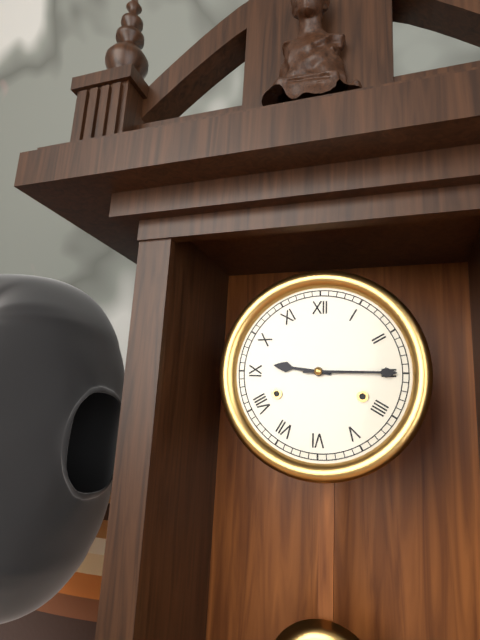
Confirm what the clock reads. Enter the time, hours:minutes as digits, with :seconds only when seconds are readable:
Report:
9:15
